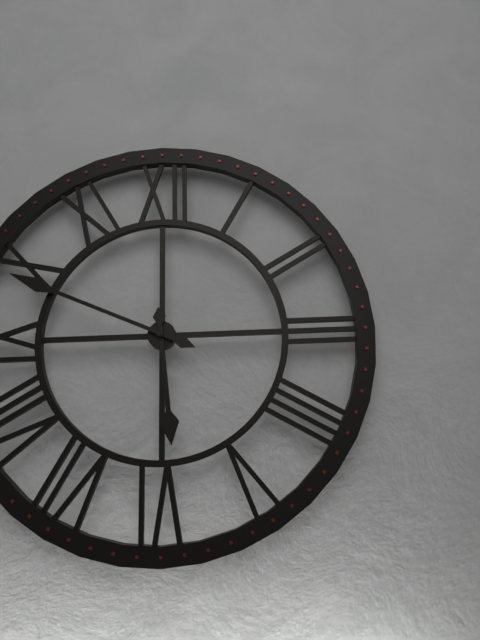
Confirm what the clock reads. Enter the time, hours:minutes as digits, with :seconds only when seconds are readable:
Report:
5:49
